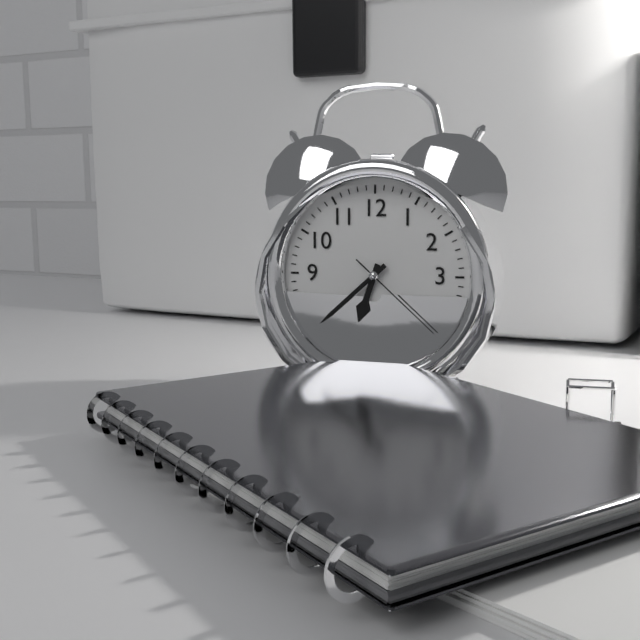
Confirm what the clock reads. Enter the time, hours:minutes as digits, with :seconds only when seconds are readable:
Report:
6:38:22
